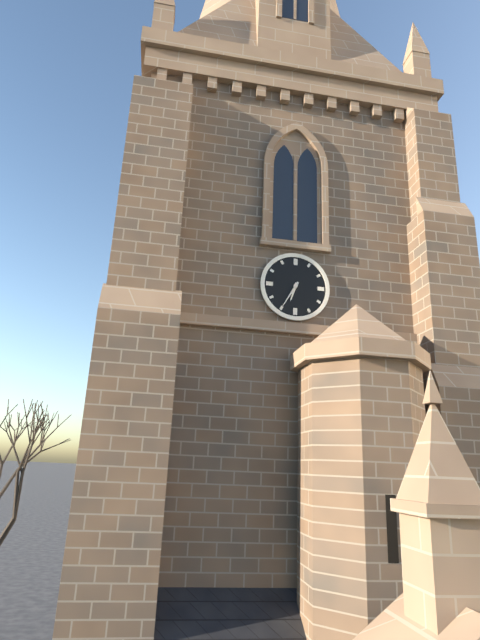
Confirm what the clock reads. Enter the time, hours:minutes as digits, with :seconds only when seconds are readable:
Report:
6:35
